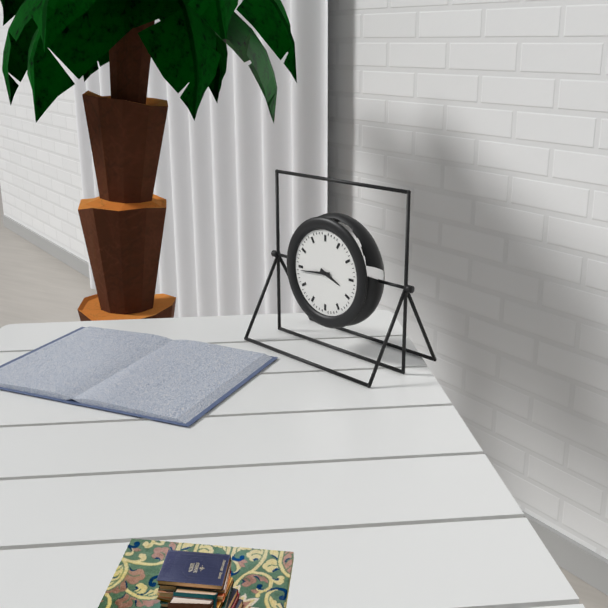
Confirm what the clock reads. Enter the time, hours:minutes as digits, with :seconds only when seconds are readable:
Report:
3:44
